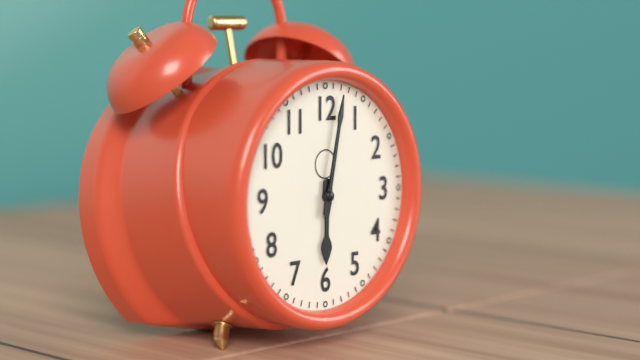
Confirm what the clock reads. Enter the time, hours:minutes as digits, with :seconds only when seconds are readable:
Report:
6:02
